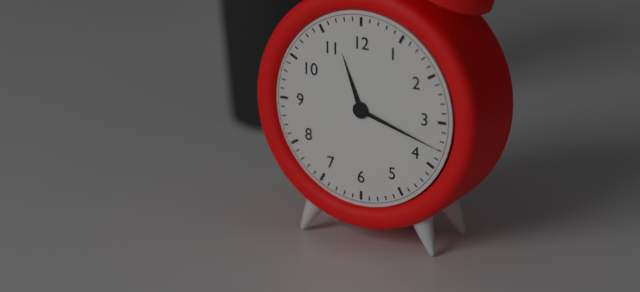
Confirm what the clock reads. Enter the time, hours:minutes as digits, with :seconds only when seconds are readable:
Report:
11:18
